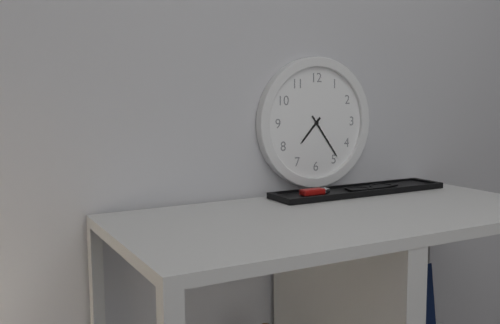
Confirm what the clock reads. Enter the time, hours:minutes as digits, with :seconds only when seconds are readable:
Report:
7:24
